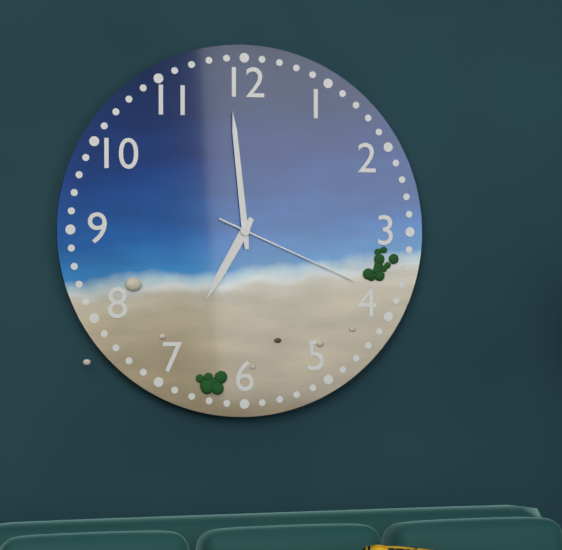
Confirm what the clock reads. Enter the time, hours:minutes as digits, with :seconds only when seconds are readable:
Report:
6:59:19
